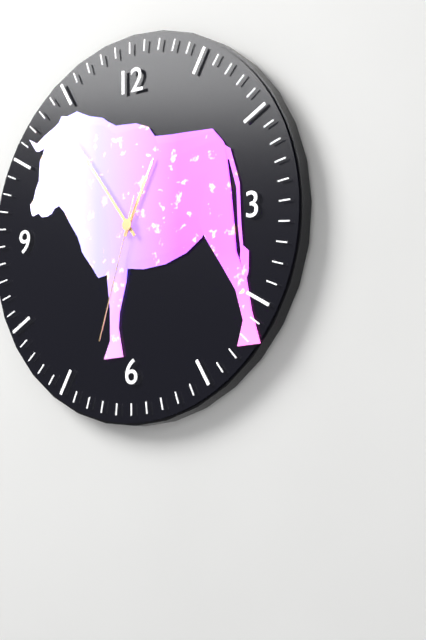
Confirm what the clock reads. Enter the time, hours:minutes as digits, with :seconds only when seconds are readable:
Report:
12:54:33
